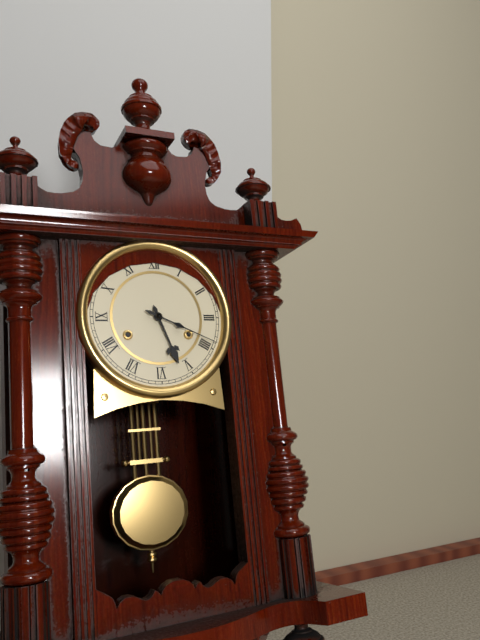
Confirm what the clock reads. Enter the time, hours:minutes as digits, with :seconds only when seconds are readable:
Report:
5:19
